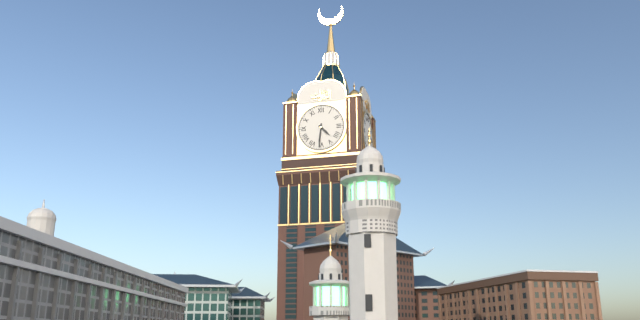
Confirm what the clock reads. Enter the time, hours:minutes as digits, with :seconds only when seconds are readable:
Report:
4:31
